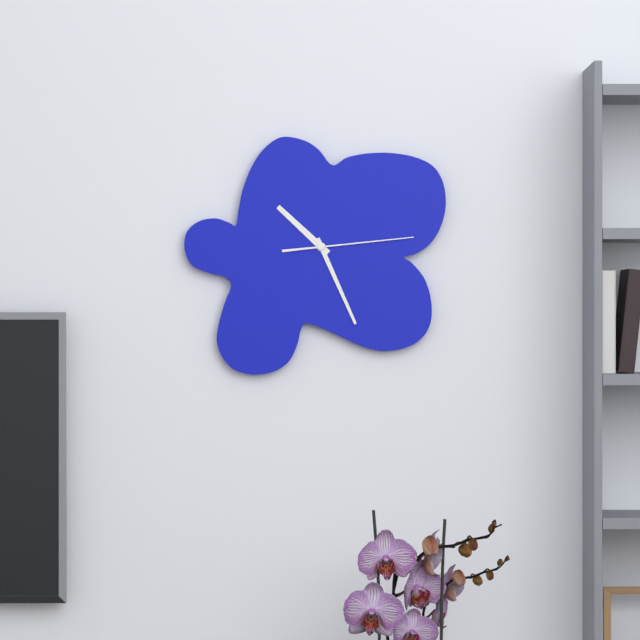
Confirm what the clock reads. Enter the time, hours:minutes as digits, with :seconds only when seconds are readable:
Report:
10:26:14
